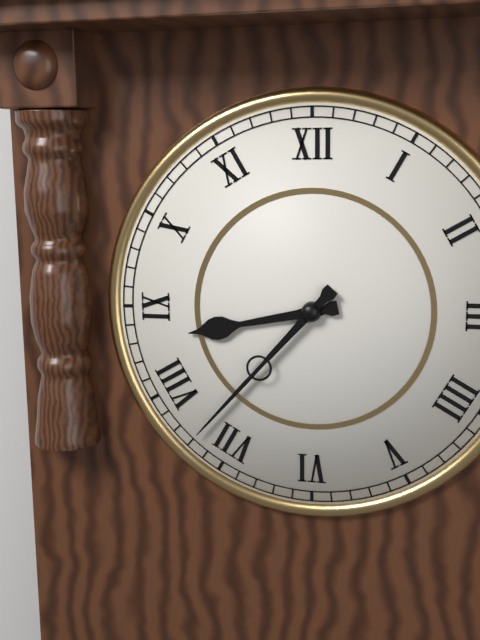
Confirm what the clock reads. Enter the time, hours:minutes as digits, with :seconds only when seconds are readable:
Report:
8:37
